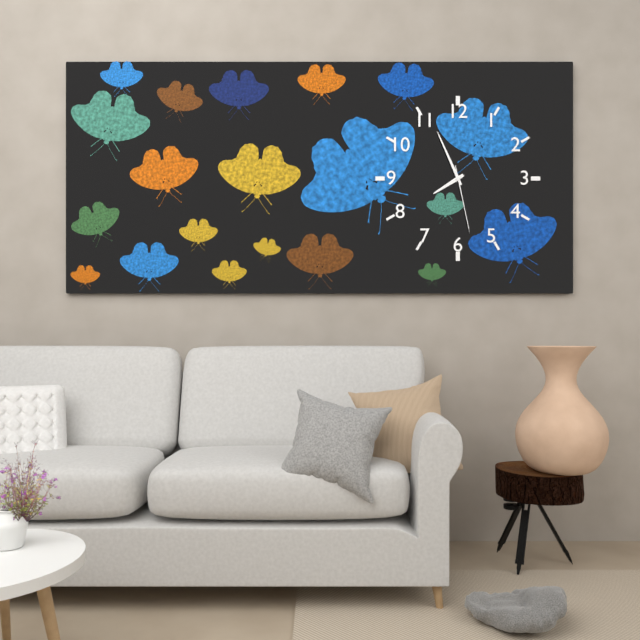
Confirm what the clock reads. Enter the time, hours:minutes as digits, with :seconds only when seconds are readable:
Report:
7:56:28
